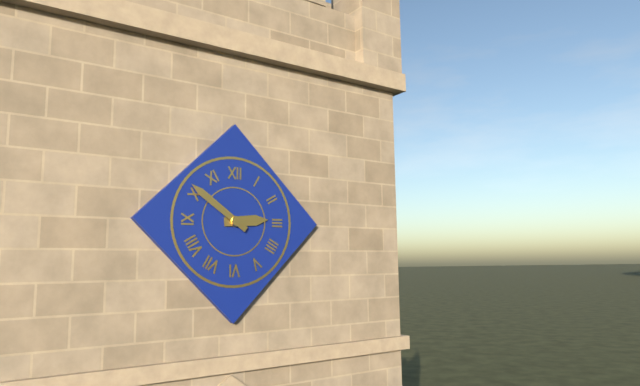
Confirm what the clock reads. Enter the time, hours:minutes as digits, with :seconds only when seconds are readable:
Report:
2:51
